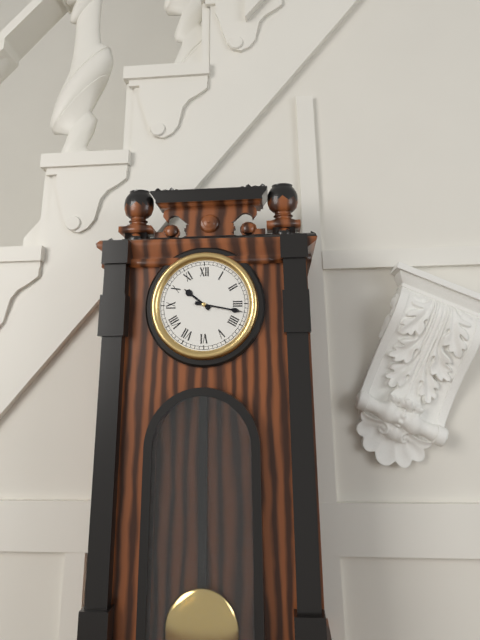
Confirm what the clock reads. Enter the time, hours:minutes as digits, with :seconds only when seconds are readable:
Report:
10:17
